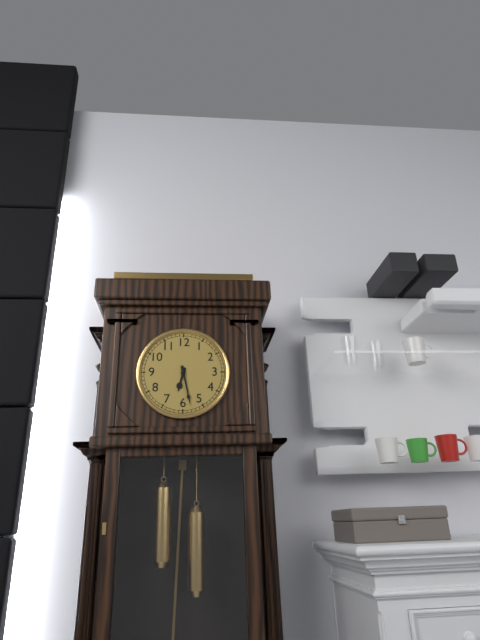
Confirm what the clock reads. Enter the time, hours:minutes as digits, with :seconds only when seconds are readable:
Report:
6:28
